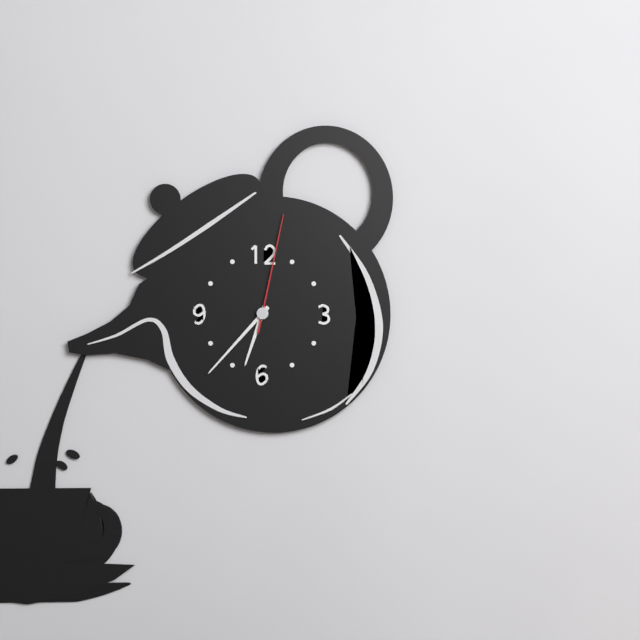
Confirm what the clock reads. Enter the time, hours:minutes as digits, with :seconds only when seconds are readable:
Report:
6:37:02
